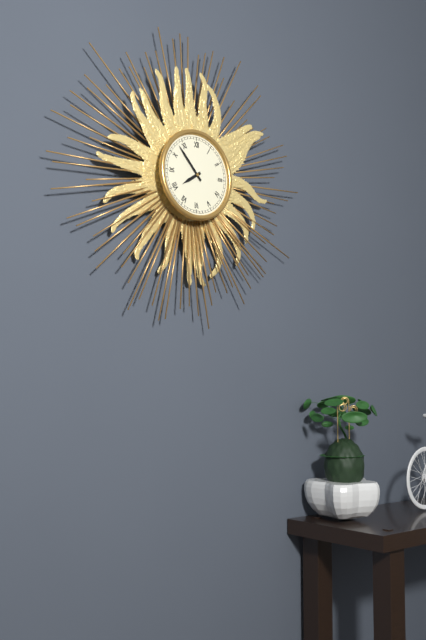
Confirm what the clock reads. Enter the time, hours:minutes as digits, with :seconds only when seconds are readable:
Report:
7:53
